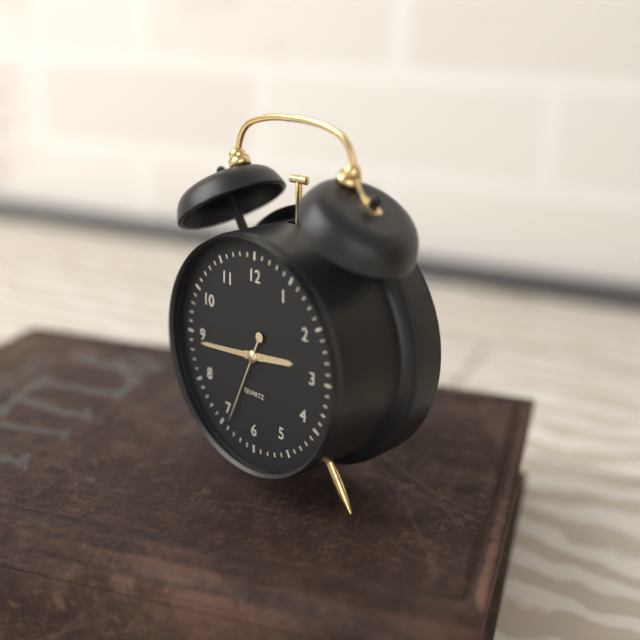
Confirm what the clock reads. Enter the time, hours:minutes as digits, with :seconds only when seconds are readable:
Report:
2:44:34
